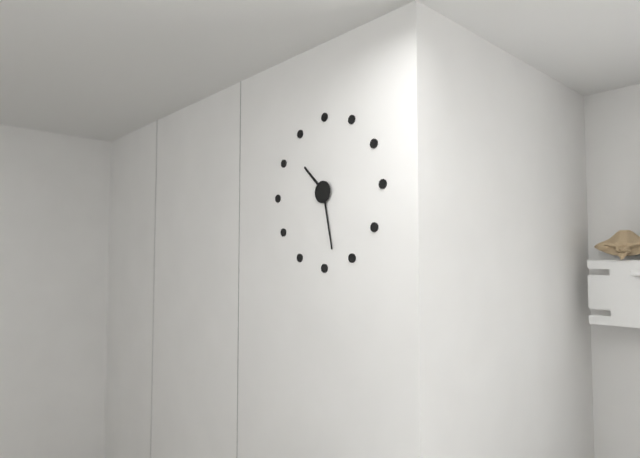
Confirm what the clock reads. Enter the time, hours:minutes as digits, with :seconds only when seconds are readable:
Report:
10:28
